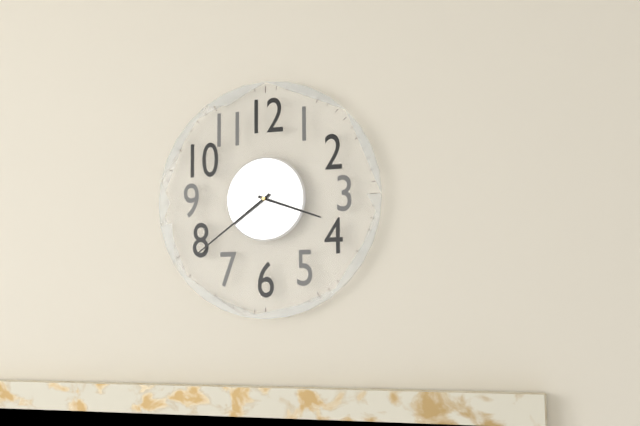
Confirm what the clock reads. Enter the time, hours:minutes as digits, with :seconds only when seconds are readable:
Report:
3:39
